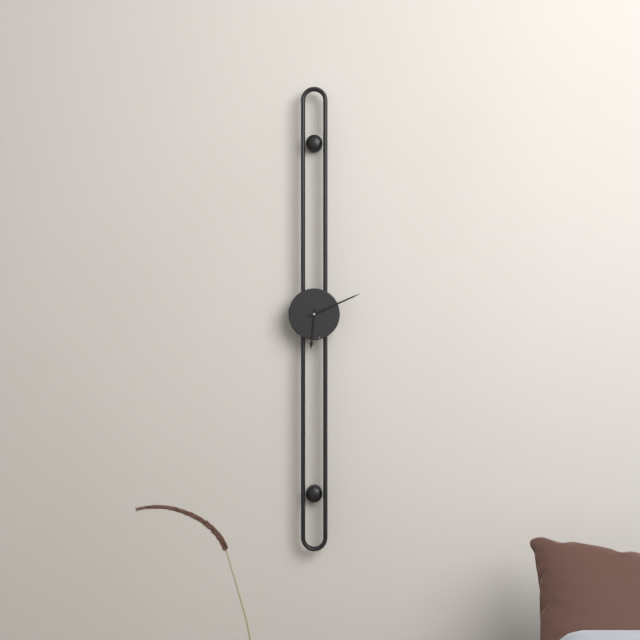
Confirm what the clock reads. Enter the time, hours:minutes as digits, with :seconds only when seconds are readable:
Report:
6:11
